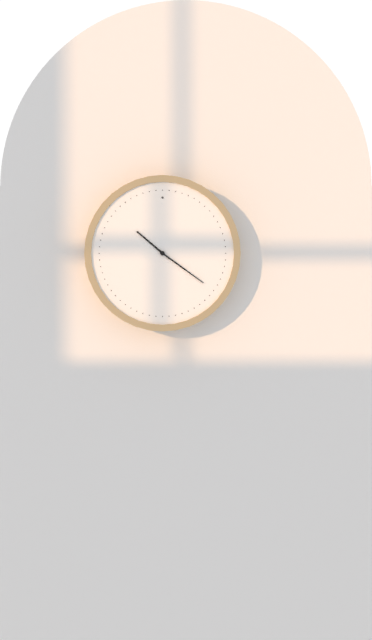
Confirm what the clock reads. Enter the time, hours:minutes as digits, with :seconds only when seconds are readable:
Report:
10:21
